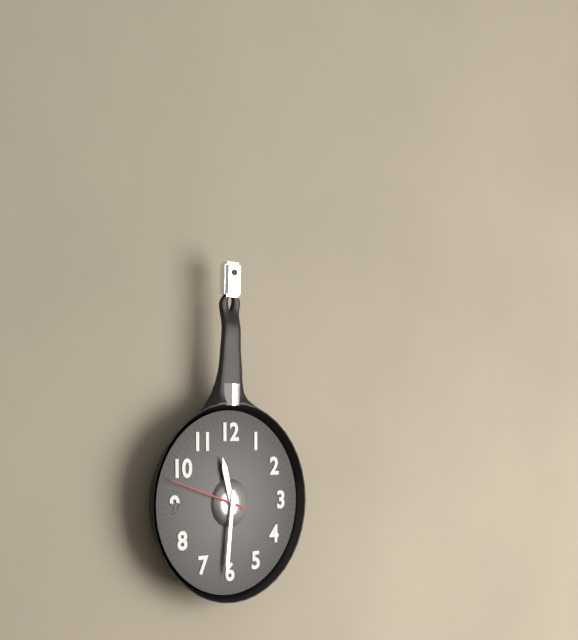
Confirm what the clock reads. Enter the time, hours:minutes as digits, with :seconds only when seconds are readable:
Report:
11:31:48
